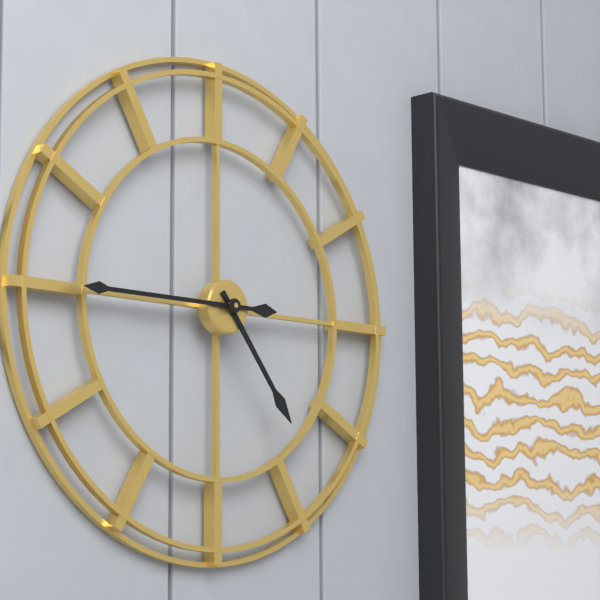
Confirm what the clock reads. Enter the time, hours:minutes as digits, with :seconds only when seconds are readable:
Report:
4:45
